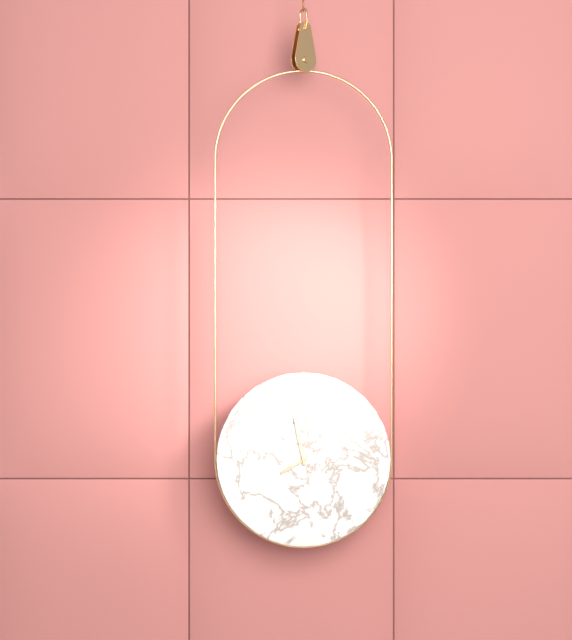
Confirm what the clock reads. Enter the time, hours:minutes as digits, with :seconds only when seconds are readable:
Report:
7:58
